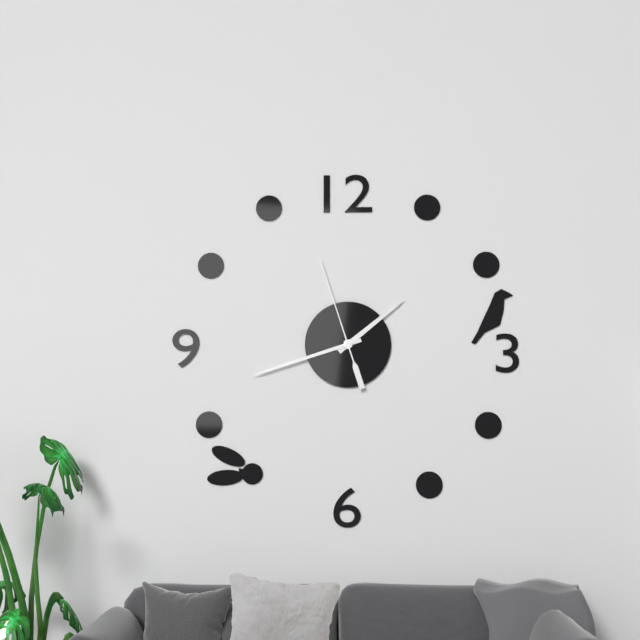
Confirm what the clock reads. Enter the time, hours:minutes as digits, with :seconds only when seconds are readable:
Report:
1:42:57
